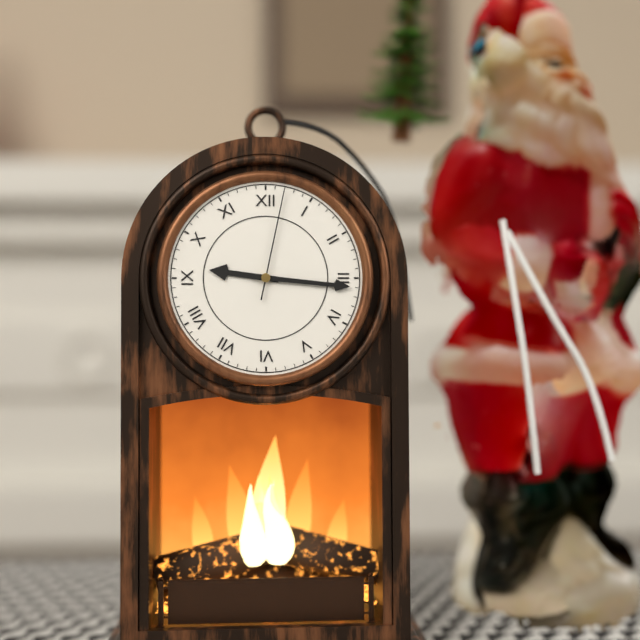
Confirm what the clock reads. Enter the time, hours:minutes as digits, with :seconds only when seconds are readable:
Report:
9:16:02
